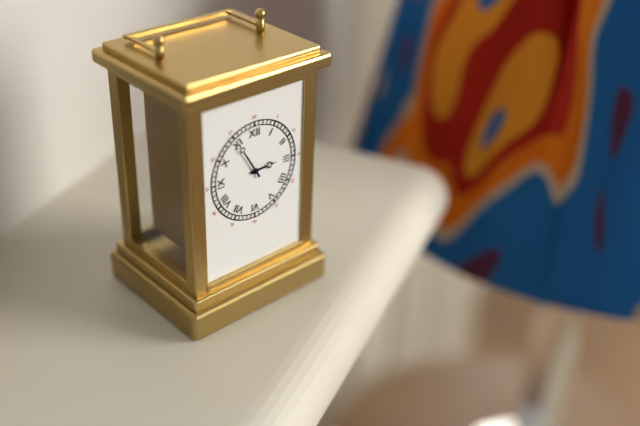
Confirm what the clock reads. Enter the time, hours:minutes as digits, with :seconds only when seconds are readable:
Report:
2:55
